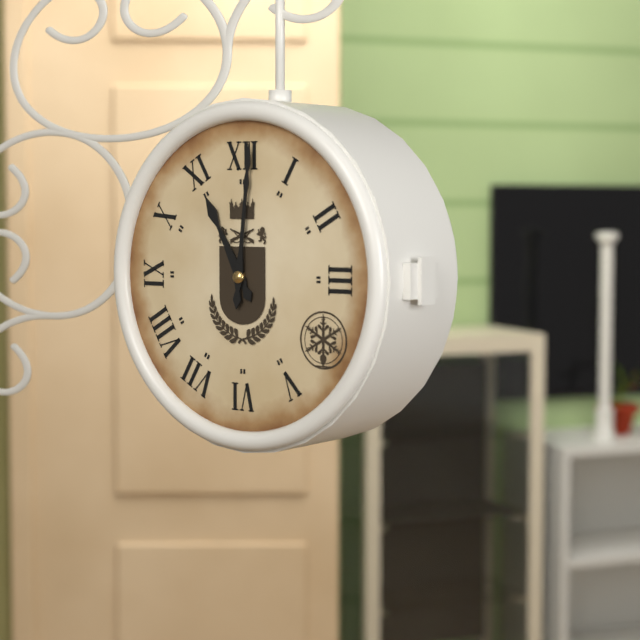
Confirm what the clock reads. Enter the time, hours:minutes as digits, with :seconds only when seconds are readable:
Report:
11:01
